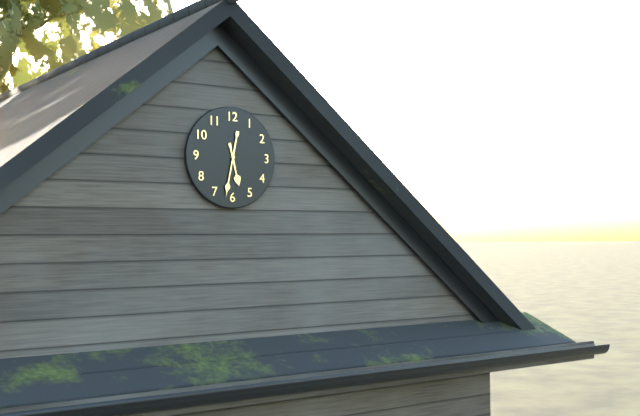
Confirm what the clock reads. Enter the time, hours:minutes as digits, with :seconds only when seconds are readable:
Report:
5:32
